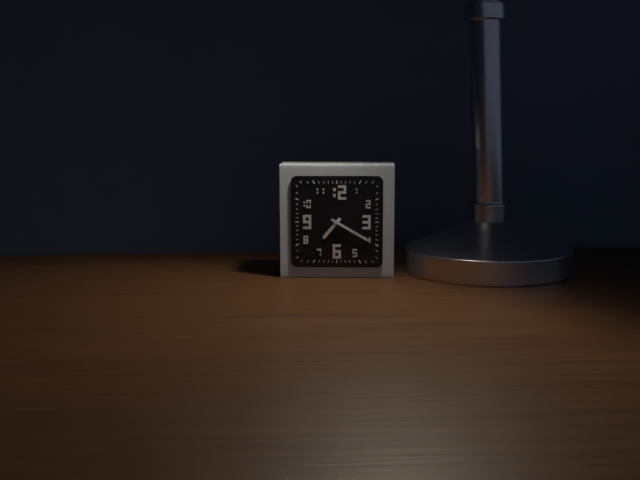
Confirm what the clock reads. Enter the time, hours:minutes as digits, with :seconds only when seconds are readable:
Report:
7:20
